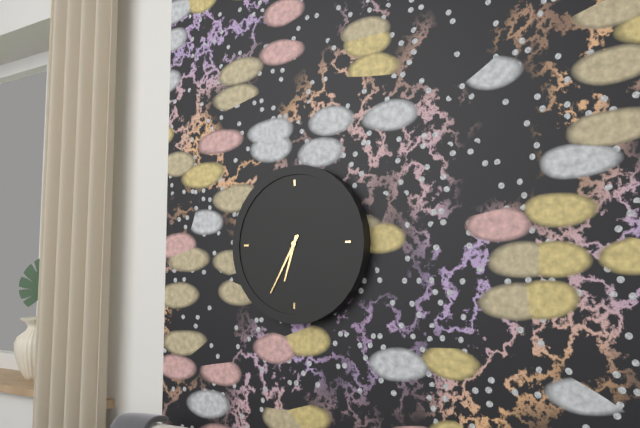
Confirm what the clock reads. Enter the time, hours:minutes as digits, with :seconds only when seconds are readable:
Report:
6:35
